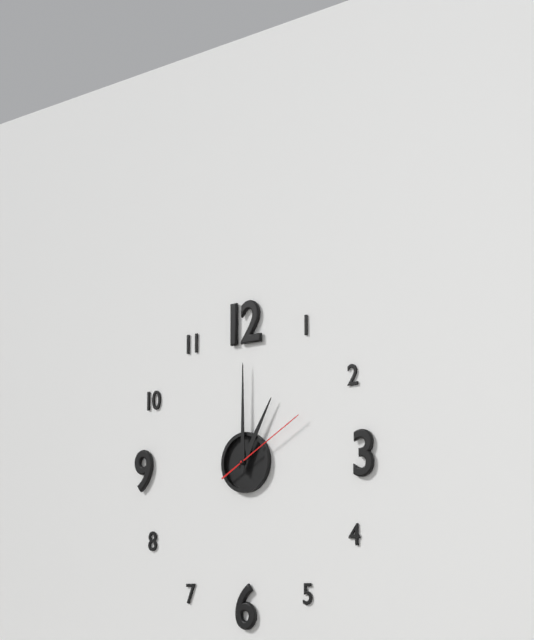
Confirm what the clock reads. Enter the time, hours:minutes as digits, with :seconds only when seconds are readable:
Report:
1:00:10
